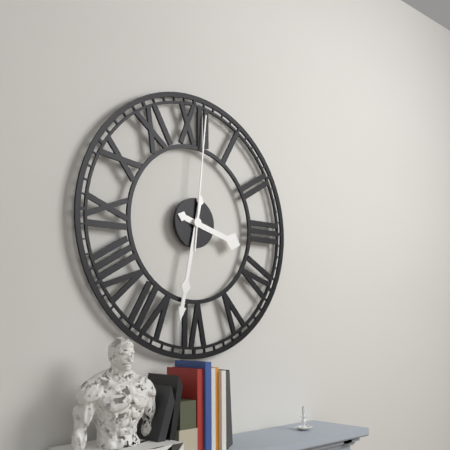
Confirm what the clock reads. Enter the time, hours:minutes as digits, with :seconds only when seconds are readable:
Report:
3:32:01
